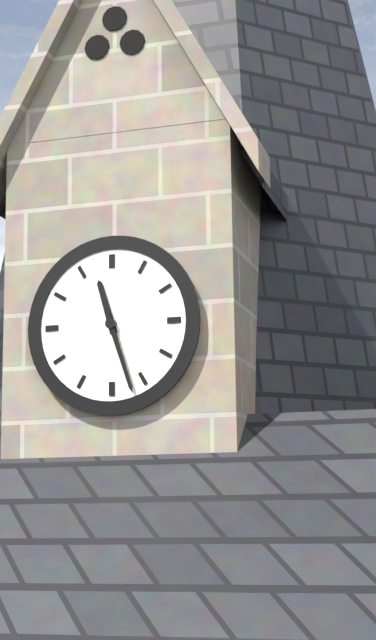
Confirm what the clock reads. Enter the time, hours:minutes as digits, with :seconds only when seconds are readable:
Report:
11:27
